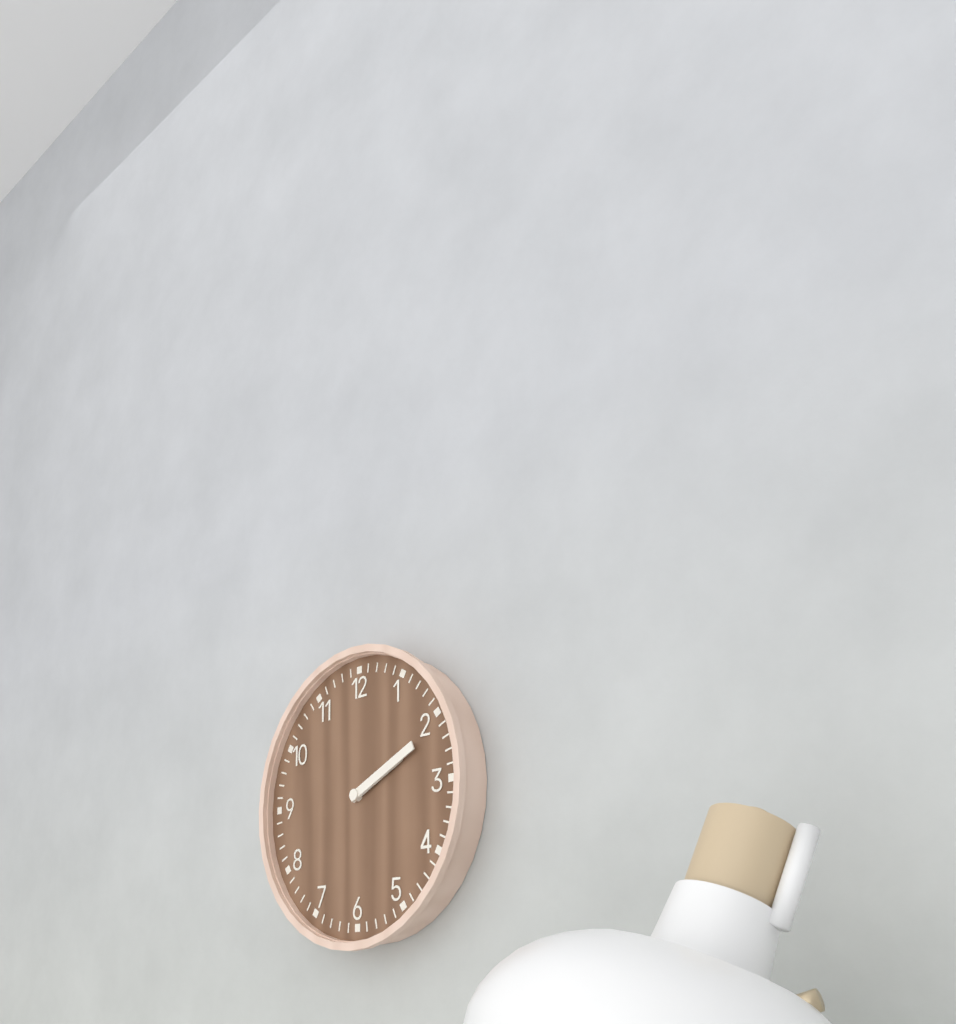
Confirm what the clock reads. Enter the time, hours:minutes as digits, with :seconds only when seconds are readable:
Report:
2:11
